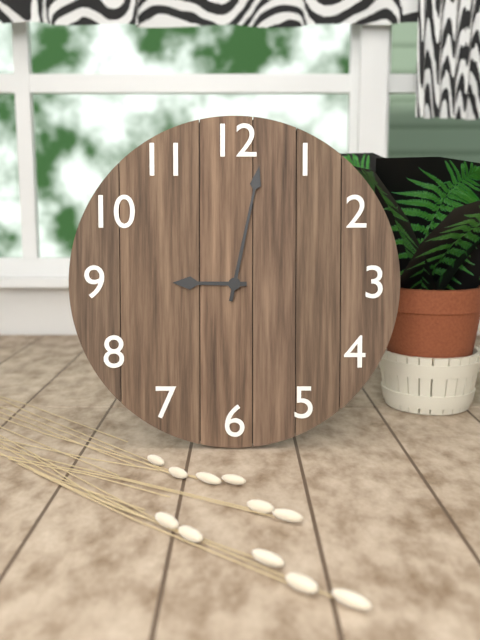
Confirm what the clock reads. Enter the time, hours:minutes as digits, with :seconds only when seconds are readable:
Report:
9:02
